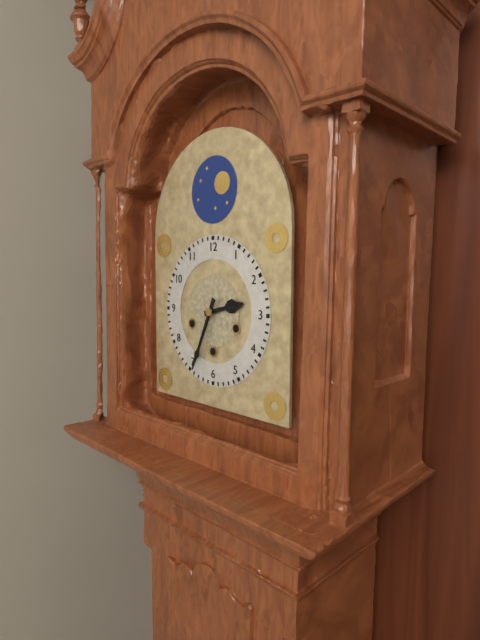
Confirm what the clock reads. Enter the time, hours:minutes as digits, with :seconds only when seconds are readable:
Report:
2:34
